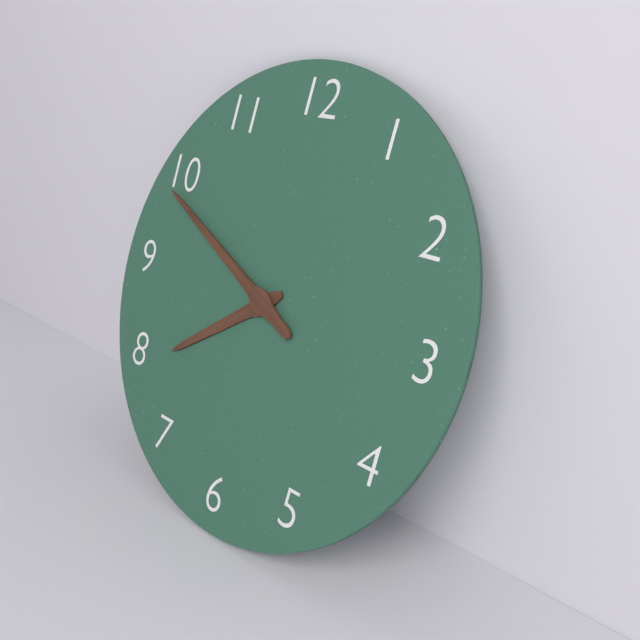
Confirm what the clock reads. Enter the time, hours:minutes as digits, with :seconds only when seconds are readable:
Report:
7:49
